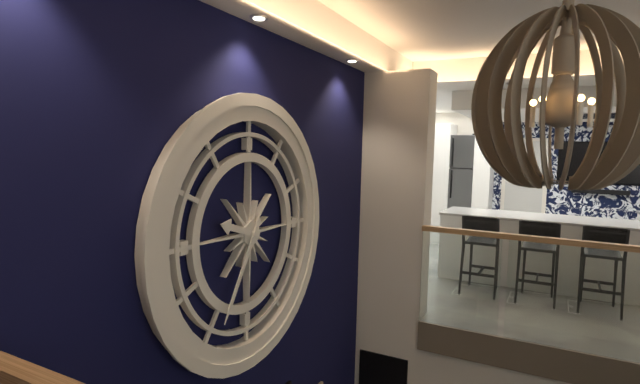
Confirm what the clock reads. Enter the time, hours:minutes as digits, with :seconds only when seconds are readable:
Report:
9:35
